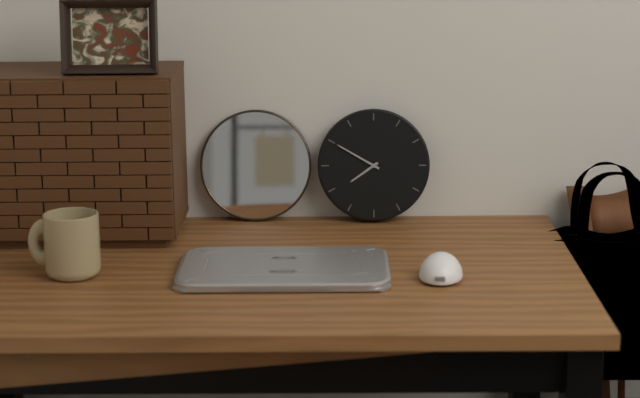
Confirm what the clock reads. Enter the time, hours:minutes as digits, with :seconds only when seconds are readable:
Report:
7:50
